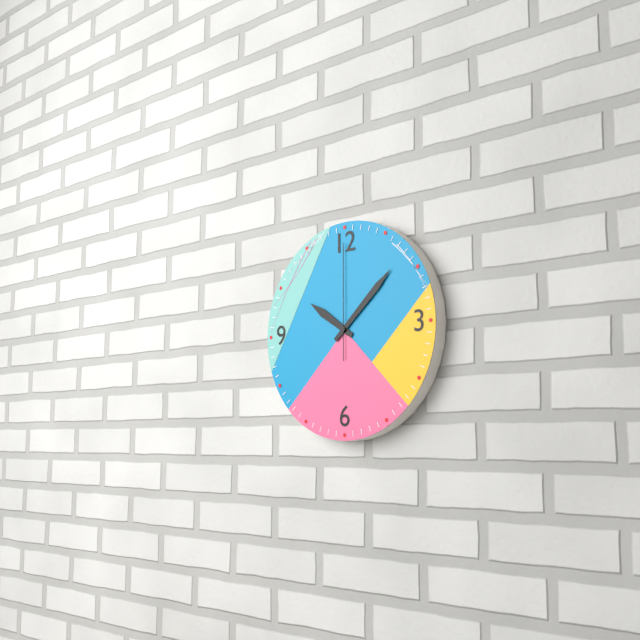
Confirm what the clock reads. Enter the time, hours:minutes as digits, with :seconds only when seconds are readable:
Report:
10:08:00
